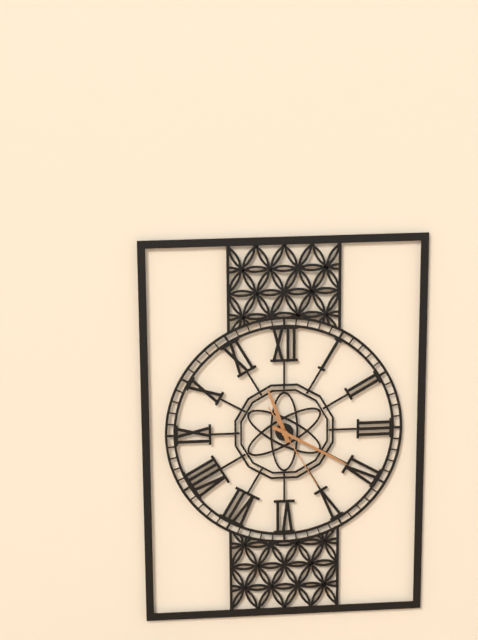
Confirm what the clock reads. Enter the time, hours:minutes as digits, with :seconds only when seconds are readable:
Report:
11:20:25
